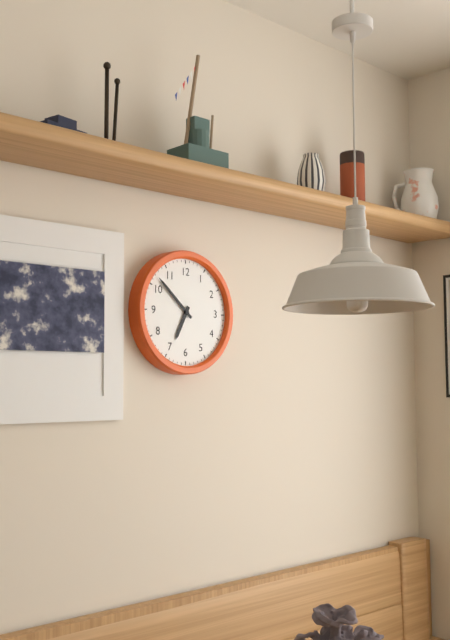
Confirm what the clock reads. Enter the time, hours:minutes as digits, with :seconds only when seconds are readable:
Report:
6:52
